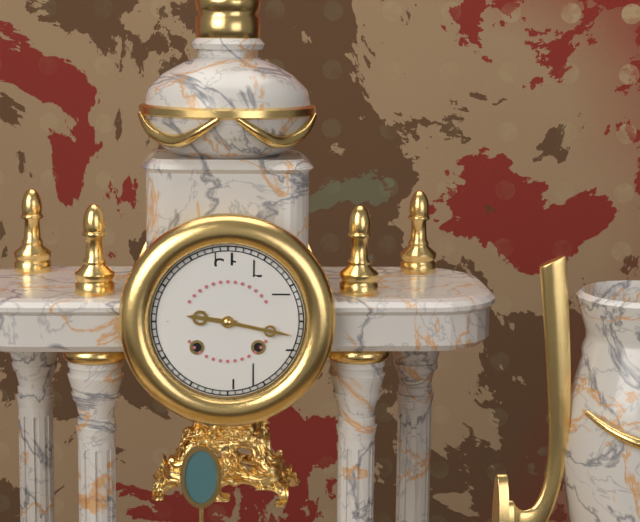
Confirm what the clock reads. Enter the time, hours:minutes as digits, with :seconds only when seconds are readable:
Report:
9:17
